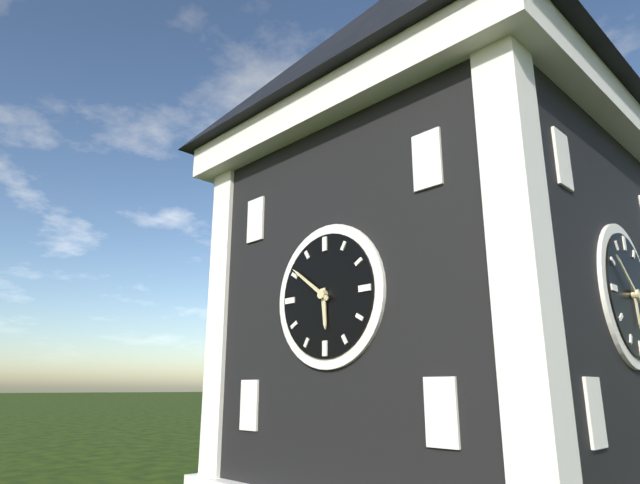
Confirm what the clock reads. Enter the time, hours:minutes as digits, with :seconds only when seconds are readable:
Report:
5:51
